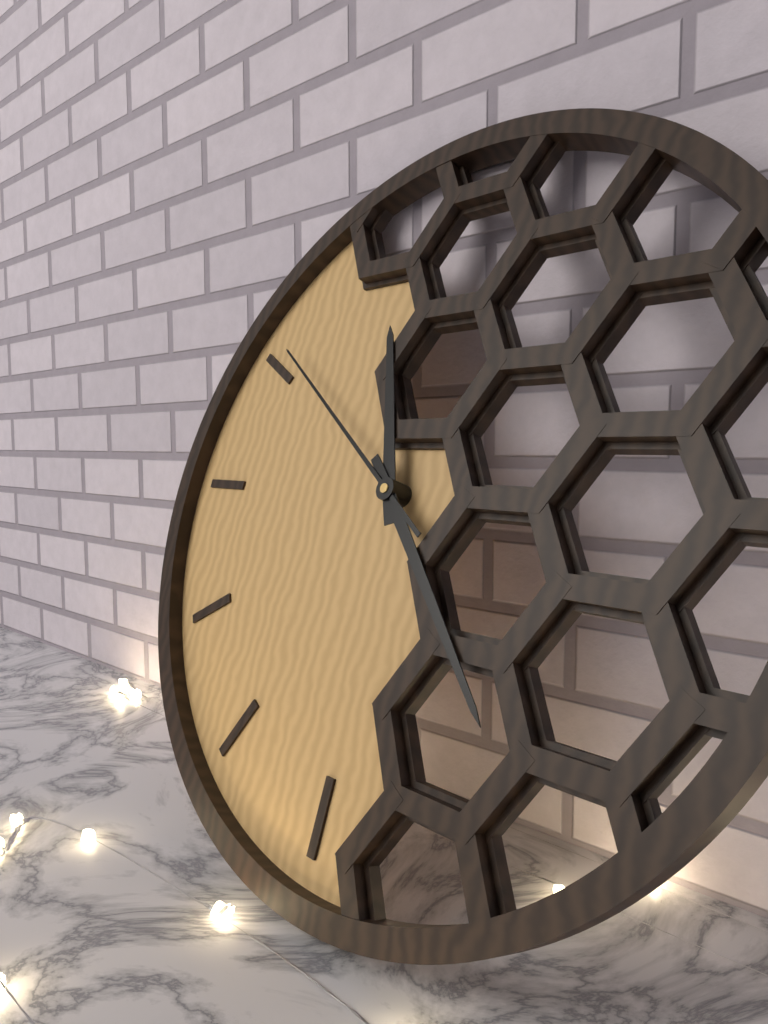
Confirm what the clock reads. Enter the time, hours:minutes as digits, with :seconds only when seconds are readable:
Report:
11:23:51
